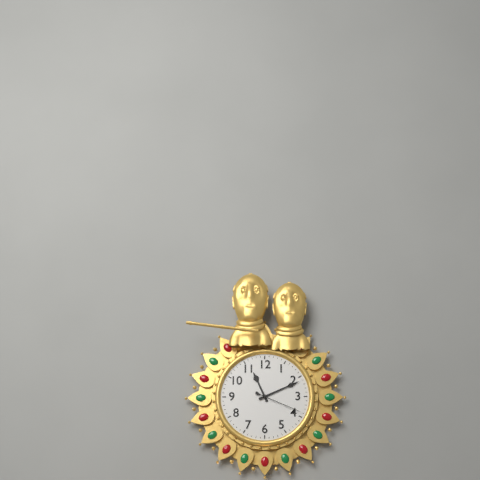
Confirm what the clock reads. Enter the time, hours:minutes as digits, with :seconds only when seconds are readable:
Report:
11:11:19
